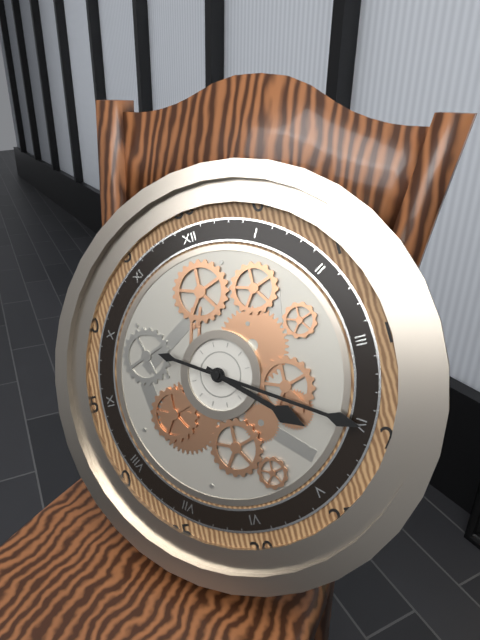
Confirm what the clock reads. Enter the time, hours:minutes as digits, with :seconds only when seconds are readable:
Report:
4:20
